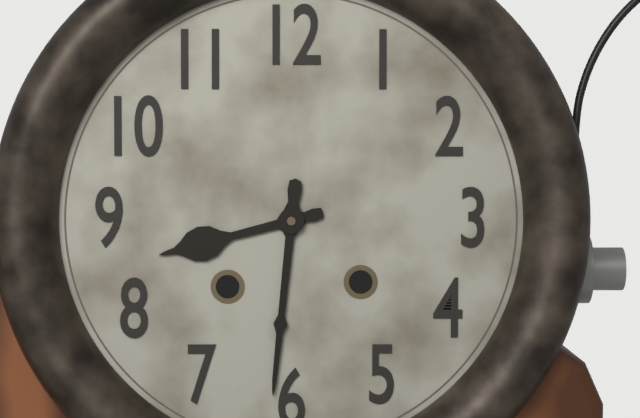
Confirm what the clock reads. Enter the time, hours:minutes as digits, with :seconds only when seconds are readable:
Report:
8:31
